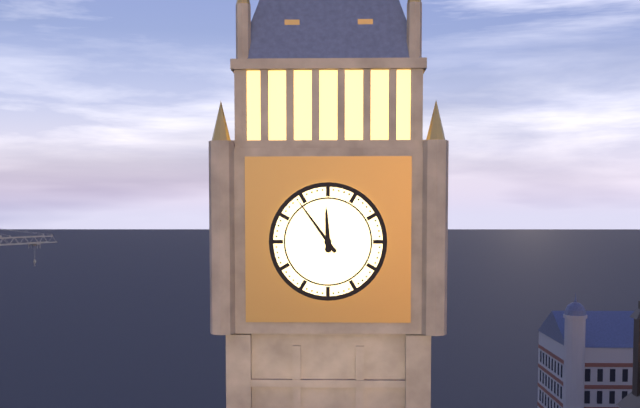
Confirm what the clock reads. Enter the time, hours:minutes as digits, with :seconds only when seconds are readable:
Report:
11:54
